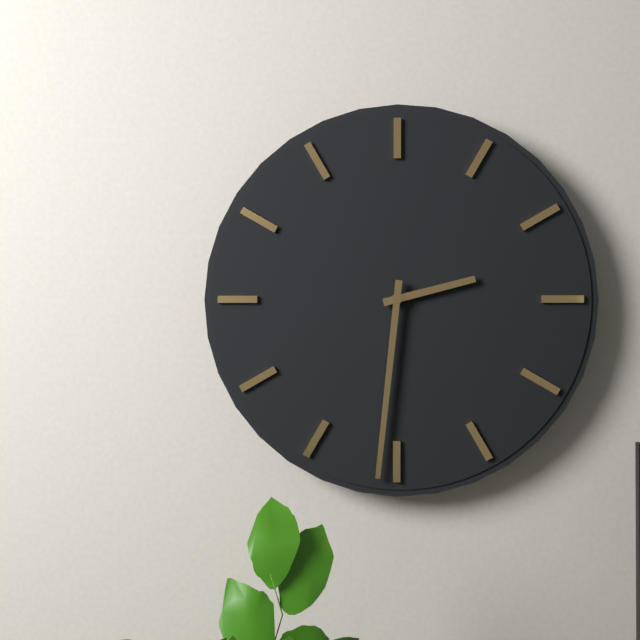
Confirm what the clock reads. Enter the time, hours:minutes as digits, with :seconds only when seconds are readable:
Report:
2:31
